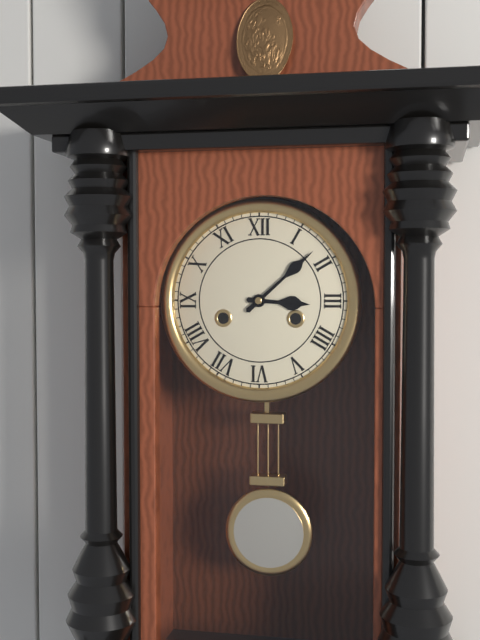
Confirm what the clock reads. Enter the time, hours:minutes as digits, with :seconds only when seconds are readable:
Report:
3:08
